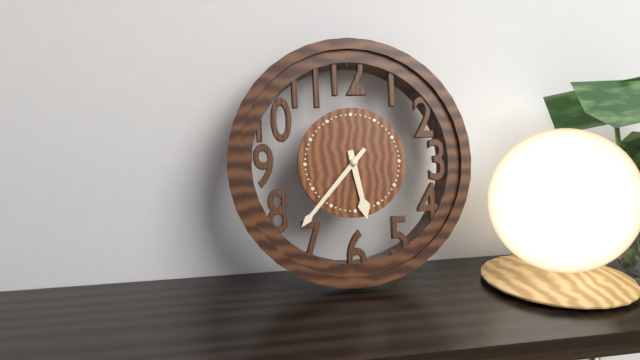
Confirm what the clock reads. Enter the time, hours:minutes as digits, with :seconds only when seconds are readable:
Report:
5:37
